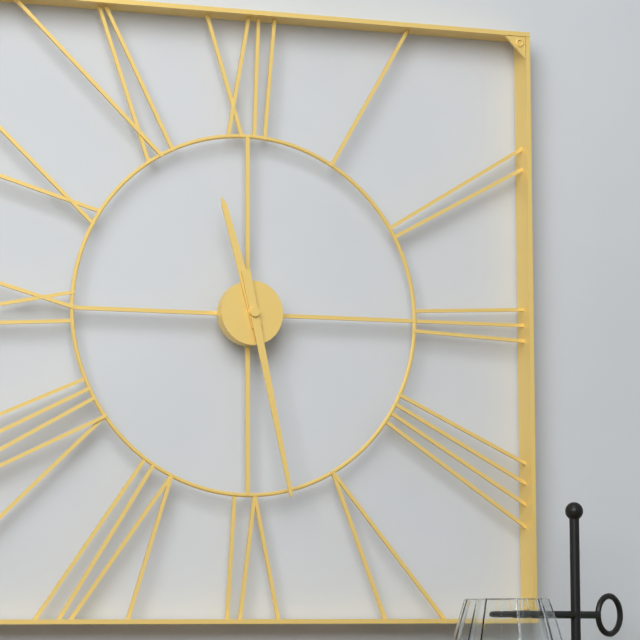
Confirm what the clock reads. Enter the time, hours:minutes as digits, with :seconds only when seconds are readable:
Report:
11:28
